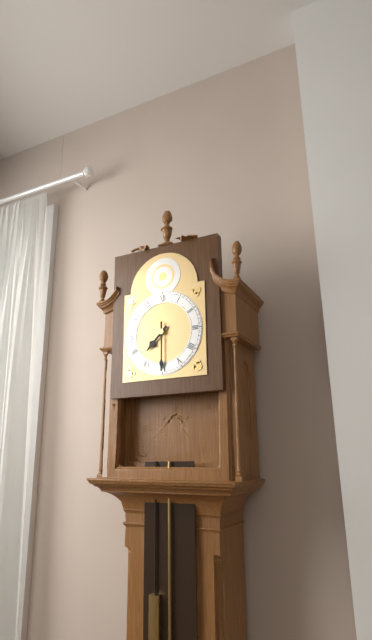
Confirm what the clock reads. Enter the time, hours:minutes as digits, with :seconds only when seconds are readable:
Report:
7:30
